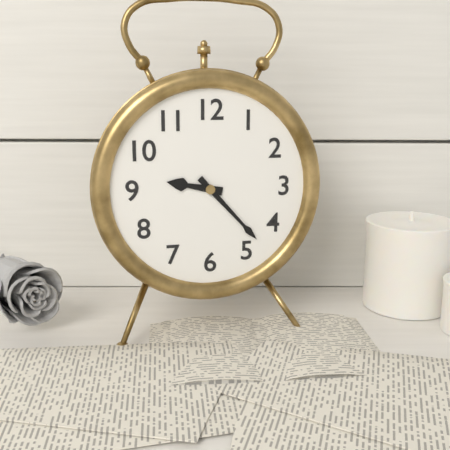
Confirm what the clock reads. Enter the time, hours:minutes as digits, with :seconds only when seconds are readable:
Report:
9:23
